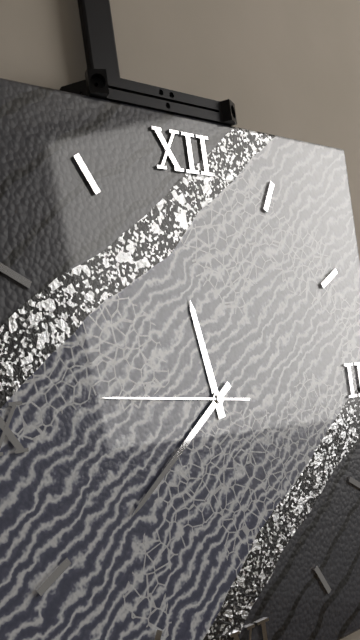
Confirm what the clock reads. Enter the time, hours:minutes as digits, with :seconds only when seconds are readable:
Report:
11:39:46
